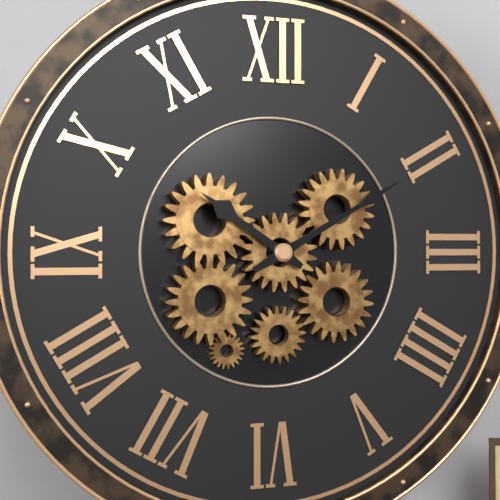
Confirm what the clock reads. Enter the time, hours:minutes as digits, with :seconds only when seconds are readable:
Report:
10:10
